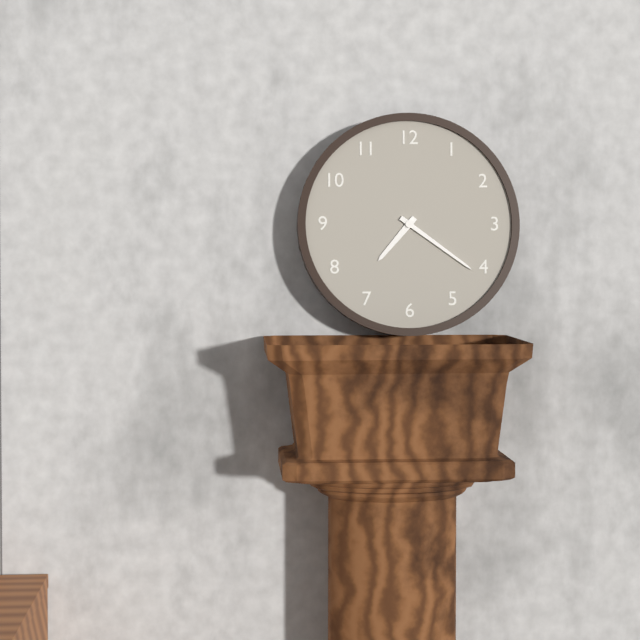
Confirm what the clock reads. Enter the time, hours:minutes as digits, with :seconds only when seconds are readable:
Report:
7:21
